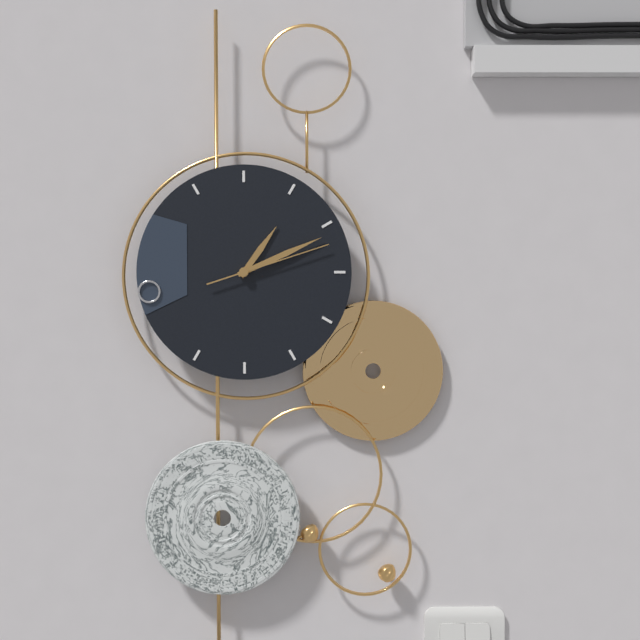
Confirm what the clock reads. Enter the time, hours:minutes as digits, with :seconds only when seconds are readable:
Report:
1:11:12
